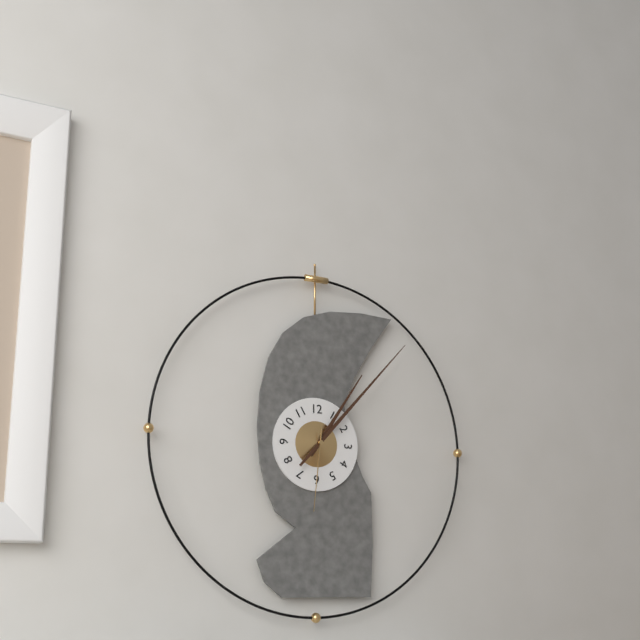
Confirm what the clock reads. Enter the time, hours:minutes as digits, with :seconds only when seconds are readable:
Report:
1:07:31
